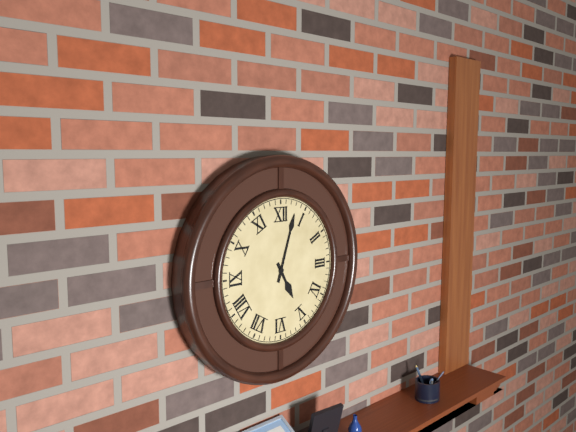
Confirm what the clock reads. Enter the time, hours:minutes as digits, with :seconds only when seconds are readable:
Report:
5:03
